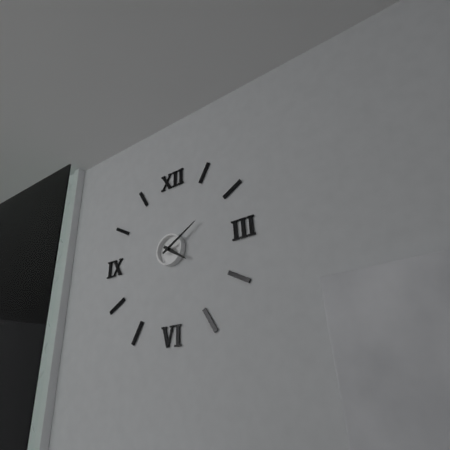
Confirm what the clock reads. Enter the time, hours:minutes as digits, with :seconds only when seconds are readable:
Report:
4:10
